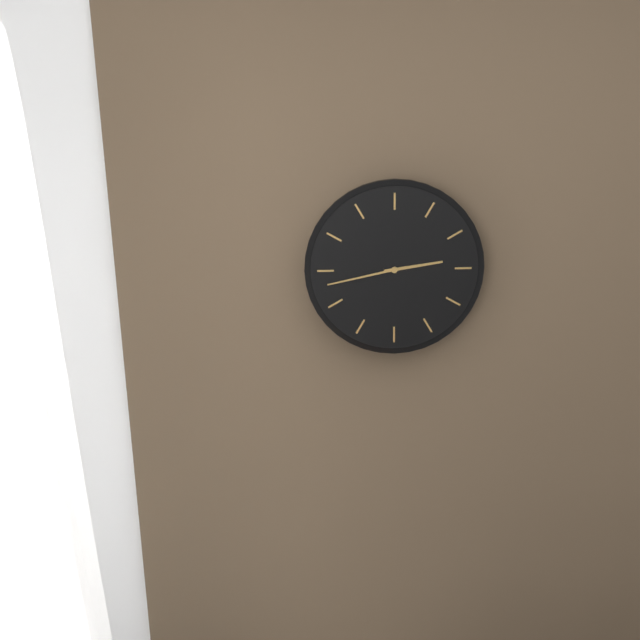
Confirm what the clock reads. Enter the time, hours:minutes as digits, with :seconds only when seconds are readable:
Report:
2:43
